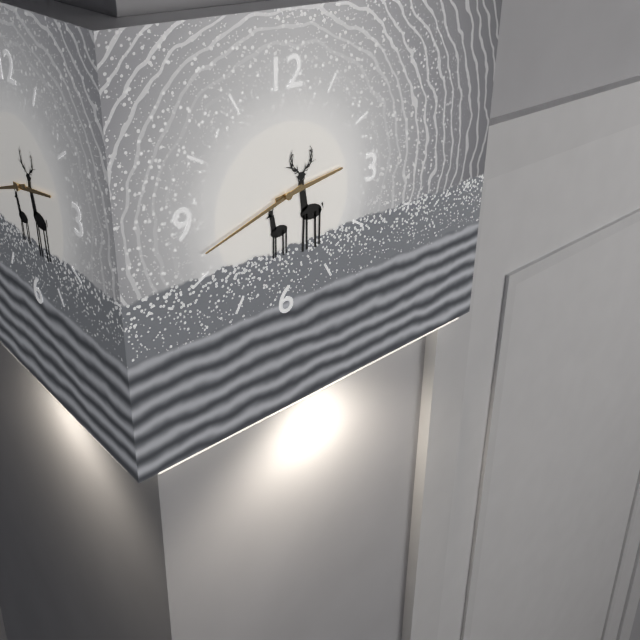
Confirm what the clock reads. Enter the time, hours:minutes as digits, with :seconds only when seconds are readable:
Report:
2:42
